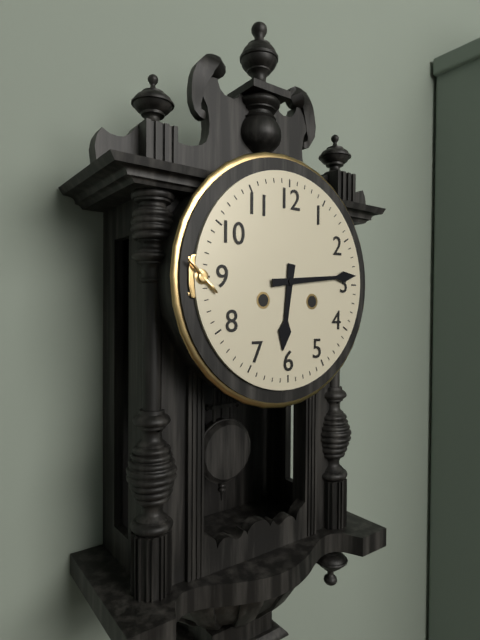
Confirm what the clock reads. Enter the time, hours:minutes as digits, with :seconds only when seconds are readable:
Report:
6:14
